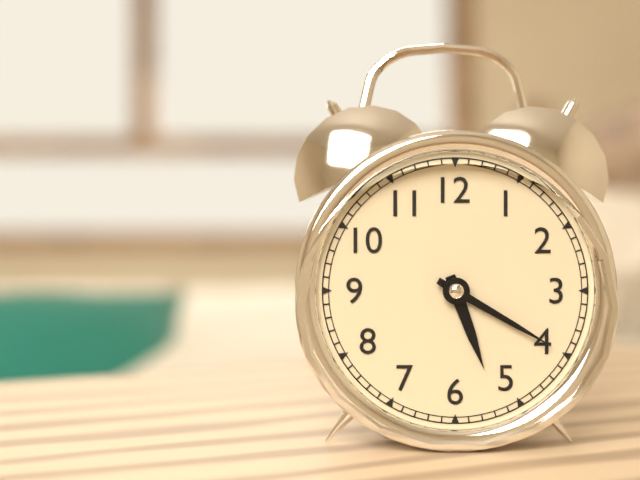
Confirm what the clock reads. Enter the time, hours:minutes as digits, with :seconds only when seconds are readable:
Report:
5:20
